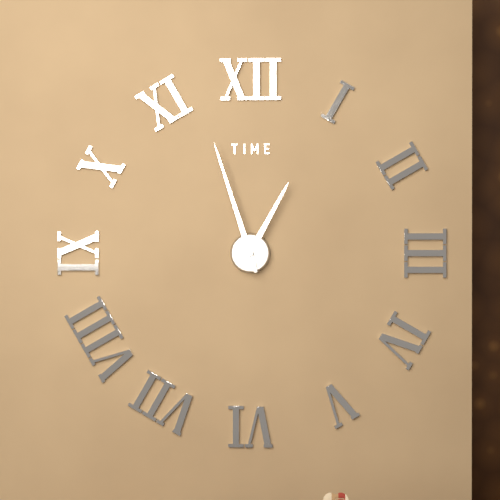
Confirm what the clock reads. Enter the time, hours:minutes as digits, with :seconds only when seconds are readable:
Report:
12:57
